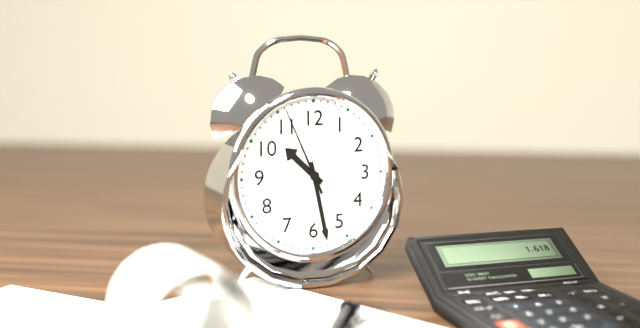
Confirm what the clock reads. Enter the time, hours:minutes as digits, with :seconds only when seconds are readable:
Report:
10:28:56
